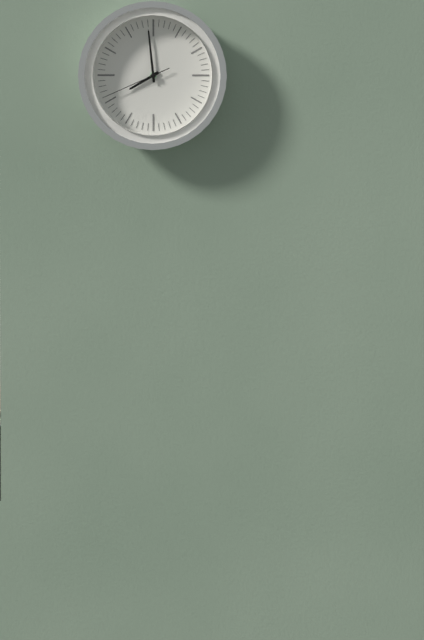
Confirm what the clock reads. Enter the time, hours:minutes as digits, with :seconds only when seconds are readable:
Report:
7:59:41
